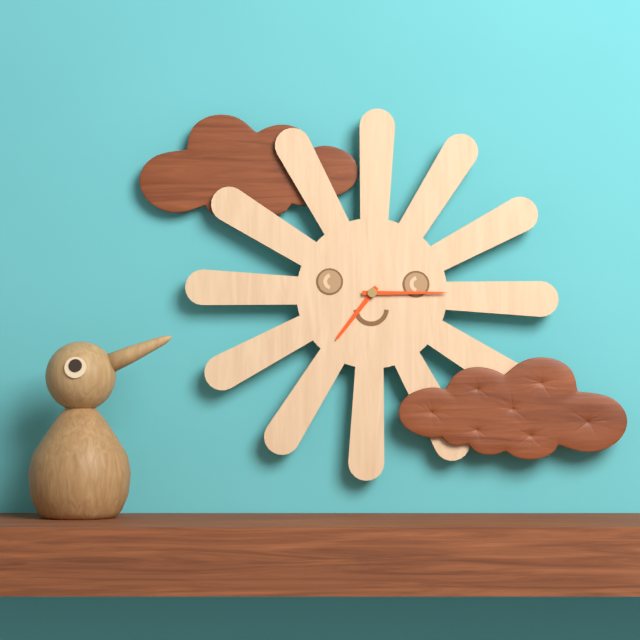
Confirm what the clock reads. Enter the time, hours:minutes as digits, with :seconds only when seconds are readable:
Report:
7:15
